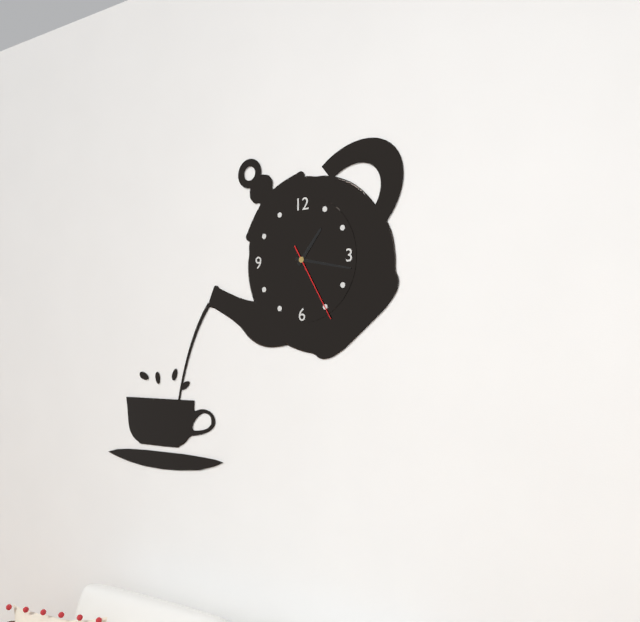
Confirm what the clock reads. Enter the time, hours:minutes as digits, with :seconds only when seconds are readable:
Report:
1:17:25
